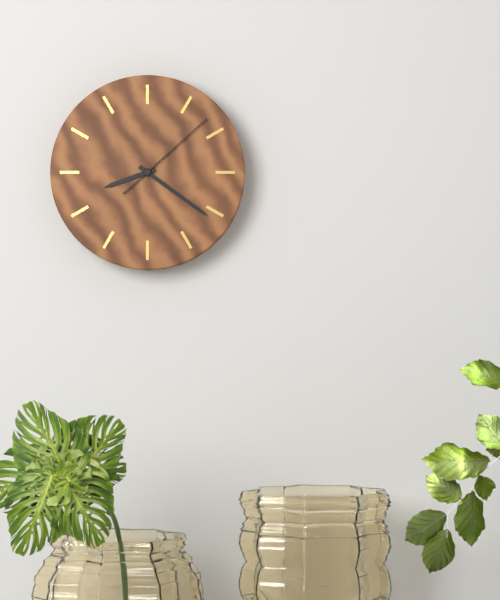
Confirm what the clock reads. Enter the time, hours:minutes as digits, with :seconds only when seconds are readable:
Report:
8:21:08
